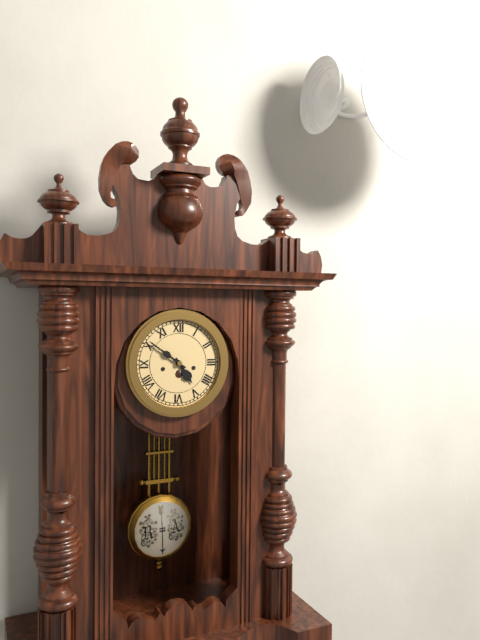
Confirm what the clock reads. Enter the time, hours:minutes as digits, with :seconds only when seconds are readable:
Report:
4:51
